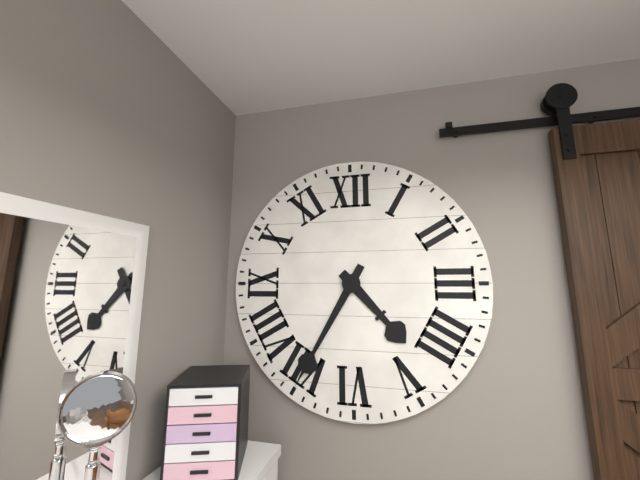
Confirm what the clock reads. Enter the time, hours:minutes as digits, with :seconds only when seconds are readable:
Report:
4:35
